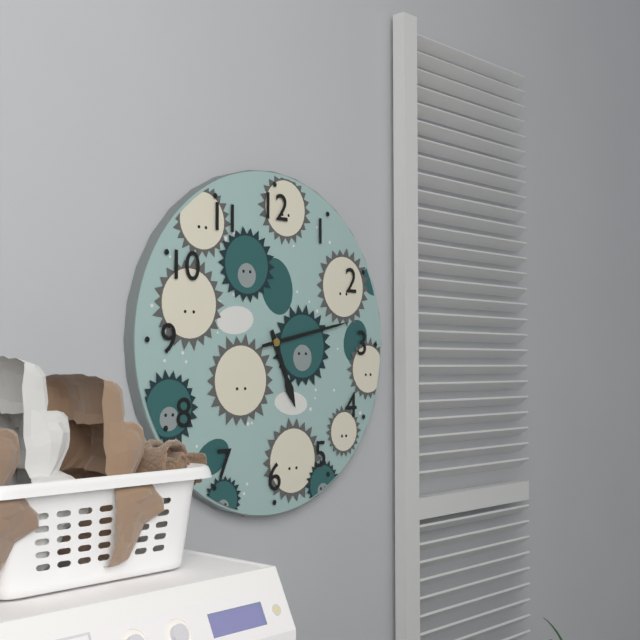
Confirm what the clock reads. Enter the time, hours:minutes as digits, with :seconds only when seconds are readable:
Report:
5:13
